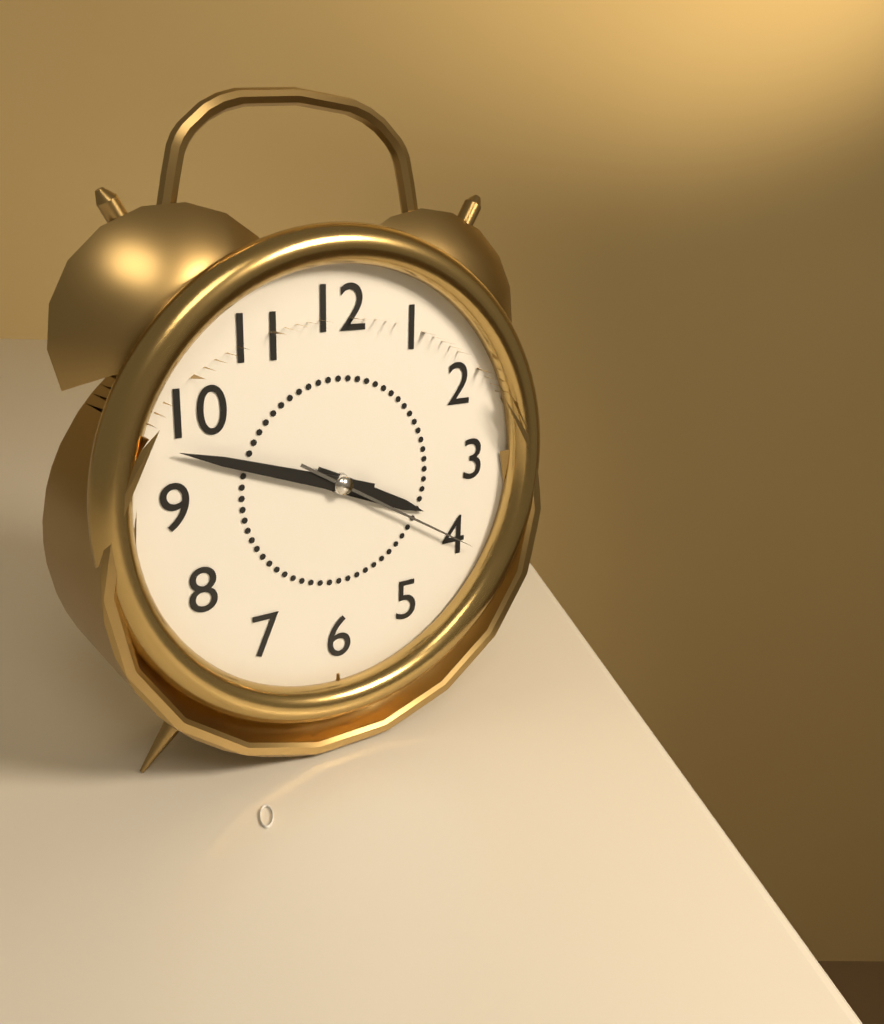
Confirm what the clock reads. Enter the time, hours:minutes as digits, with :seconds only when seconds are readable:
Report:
3:48:20
